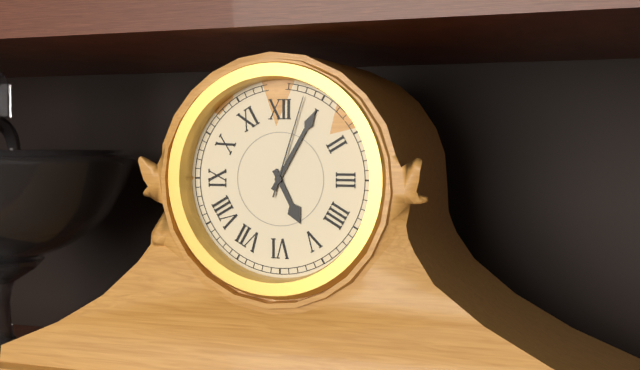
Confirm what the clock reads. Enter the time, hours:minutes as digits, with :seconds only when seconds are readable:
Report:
5:05:03
